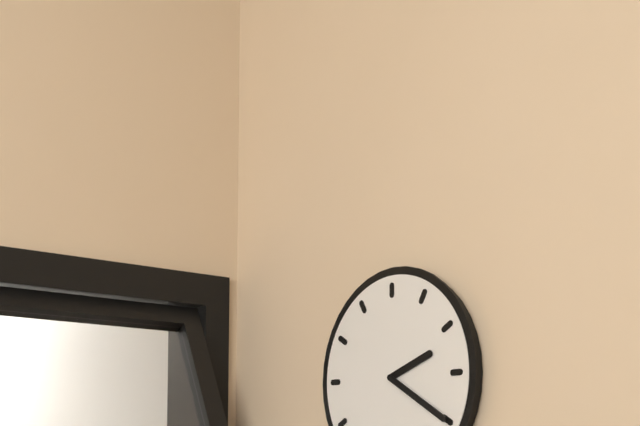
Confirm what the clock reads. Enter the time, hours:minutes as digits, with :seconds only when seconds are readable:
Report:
2:20
